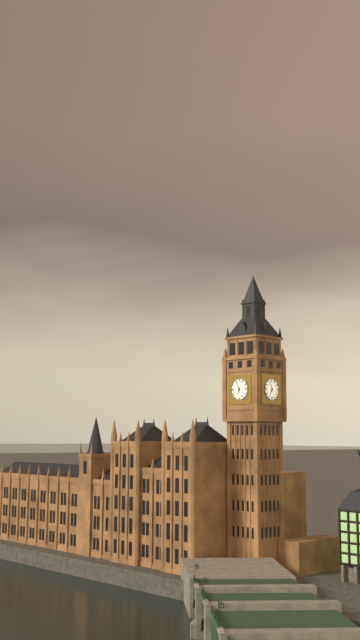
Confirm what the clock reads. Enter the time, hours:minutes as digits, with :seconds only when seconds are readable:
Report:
6:56
